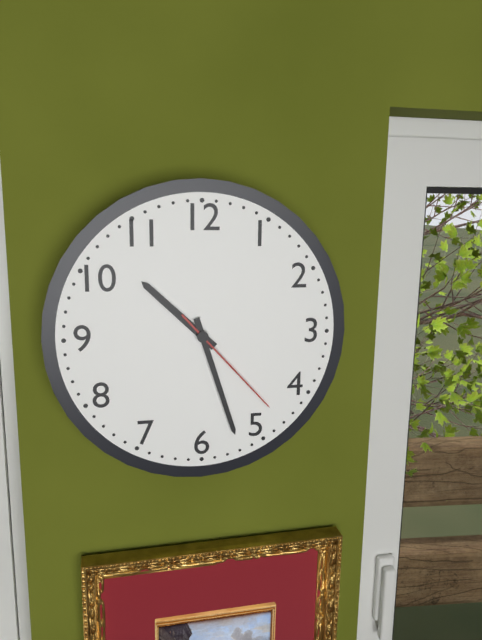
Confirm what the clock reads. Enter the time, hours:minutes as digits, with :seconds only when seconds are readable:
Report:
10:27:23
